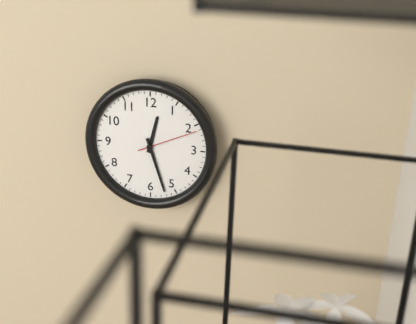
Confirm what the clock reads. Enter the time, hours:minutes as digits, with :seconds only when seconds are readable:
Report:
12:27:11
